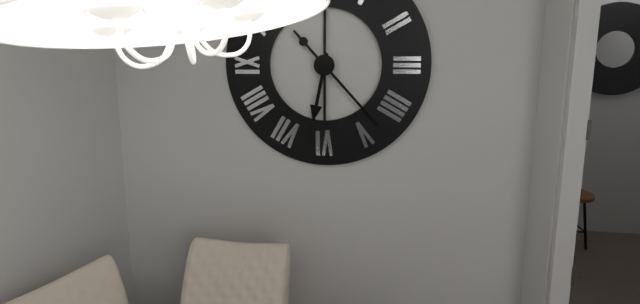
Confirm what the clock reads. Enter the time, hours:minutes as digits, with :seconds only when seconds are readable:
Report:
6:23
